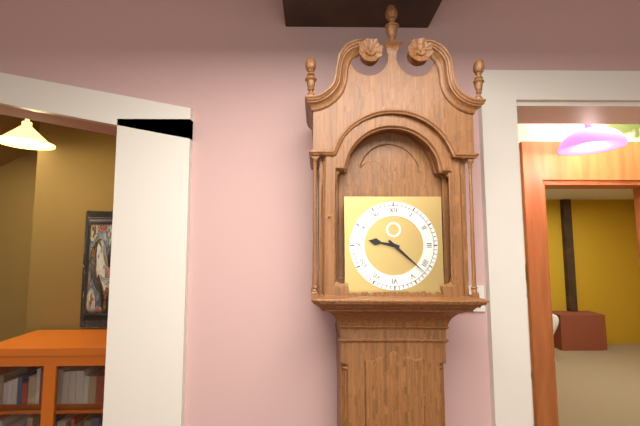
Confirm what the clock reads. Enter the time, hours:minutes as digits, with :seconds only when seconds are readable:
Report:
9:22
